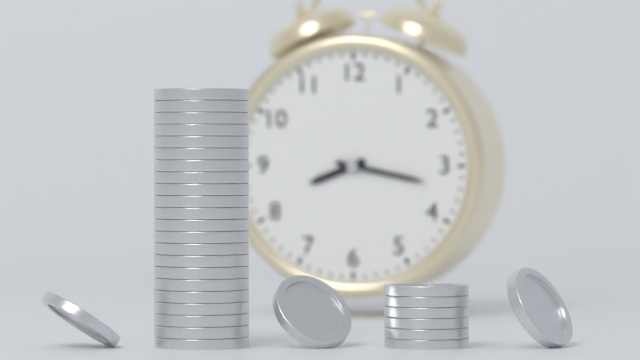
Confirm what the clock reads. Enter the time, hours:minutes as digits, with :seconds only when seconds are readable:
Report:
8:17
